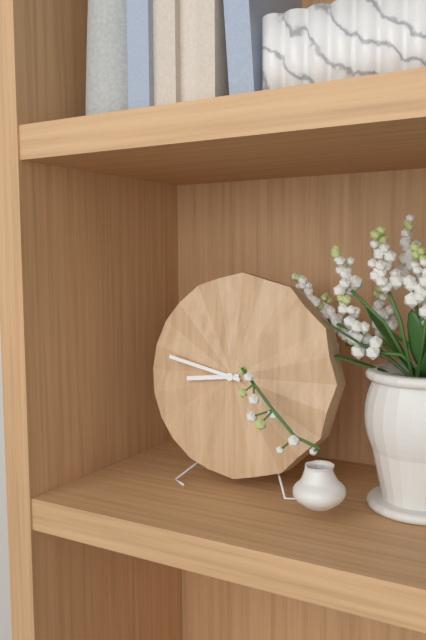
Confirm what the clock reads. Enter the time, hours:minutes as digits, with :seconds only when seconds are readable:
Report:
8:47
